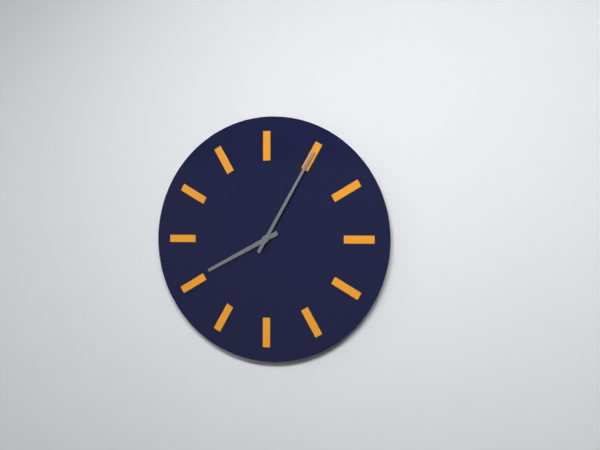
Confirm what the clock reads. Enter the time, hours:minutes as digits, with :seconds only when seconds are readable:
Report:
8:05
